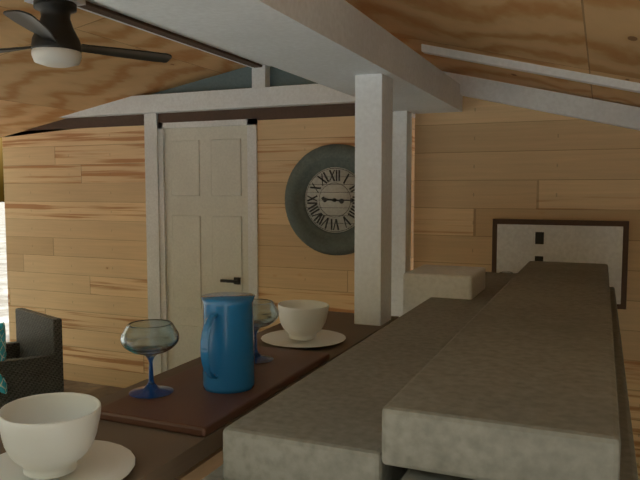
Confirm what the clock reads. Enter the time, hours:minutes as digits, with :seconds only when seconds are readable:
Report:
9:15
